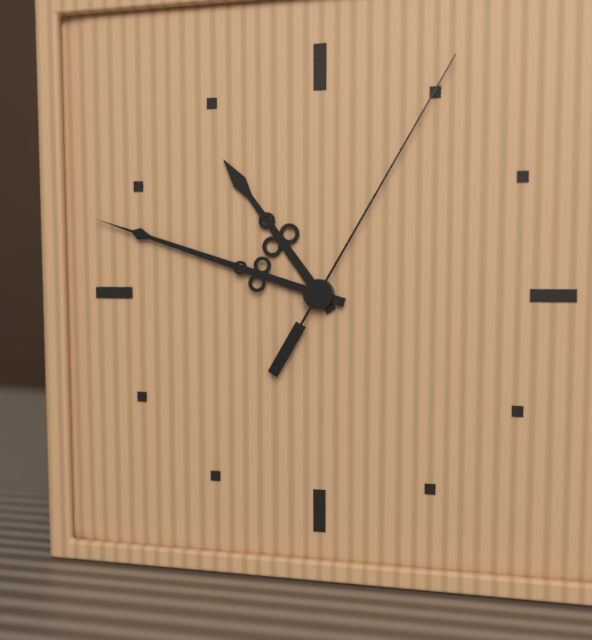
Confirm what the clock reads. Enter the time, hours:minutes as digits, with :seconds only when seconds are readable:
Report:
10:48:05
